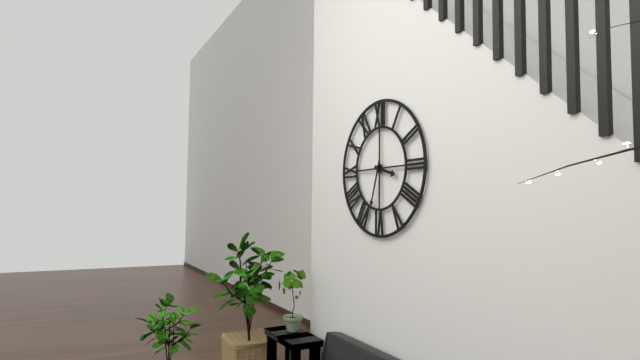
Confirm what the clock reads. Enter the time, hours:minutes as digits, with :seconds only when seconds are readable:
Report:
3:33
